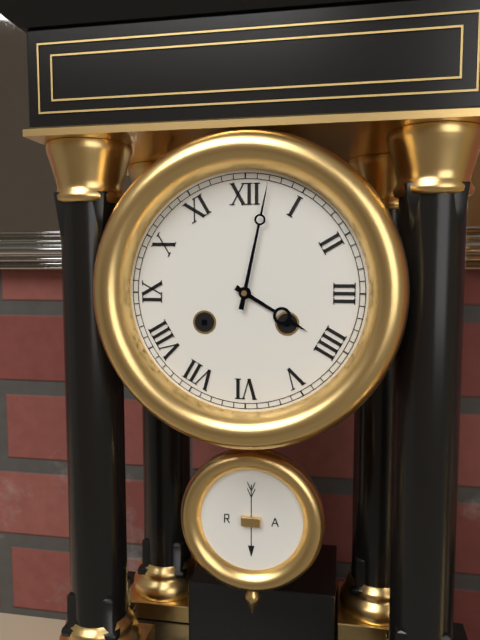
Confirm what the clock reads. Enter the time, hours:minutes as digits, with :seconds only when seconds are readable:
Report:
4:02
